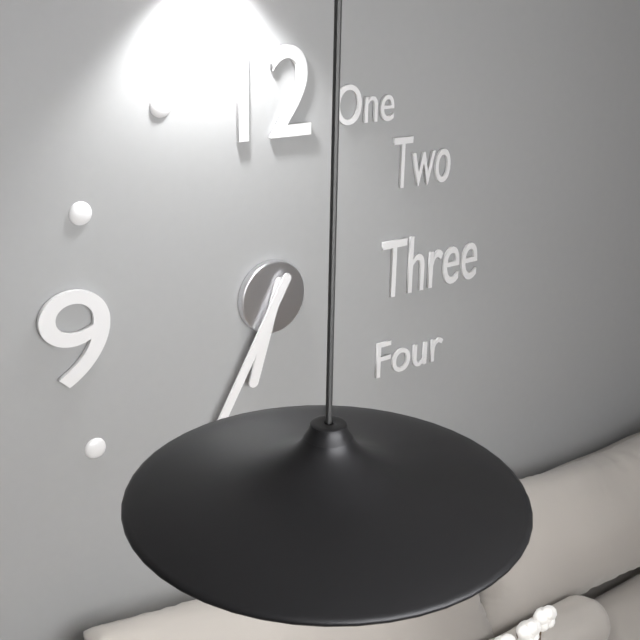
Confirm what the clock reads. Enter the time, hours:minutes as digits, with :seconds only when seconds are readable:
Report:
6:35
